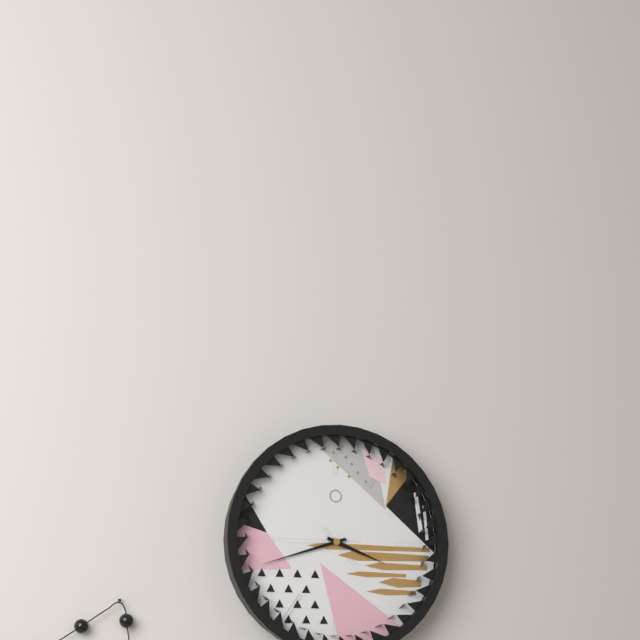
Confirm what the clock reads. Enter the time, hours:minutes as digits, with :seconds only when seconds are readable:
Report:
3:42
